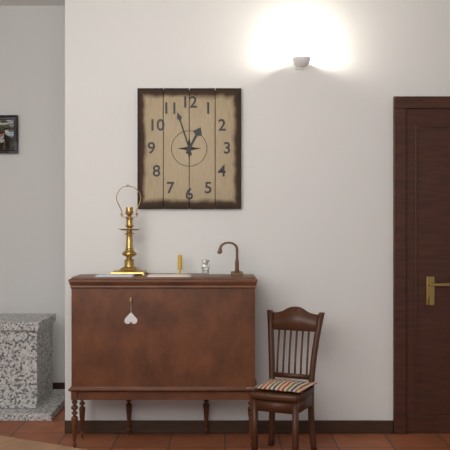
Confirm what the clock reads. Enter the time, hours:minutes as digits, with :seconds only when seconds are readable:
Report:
12:57
